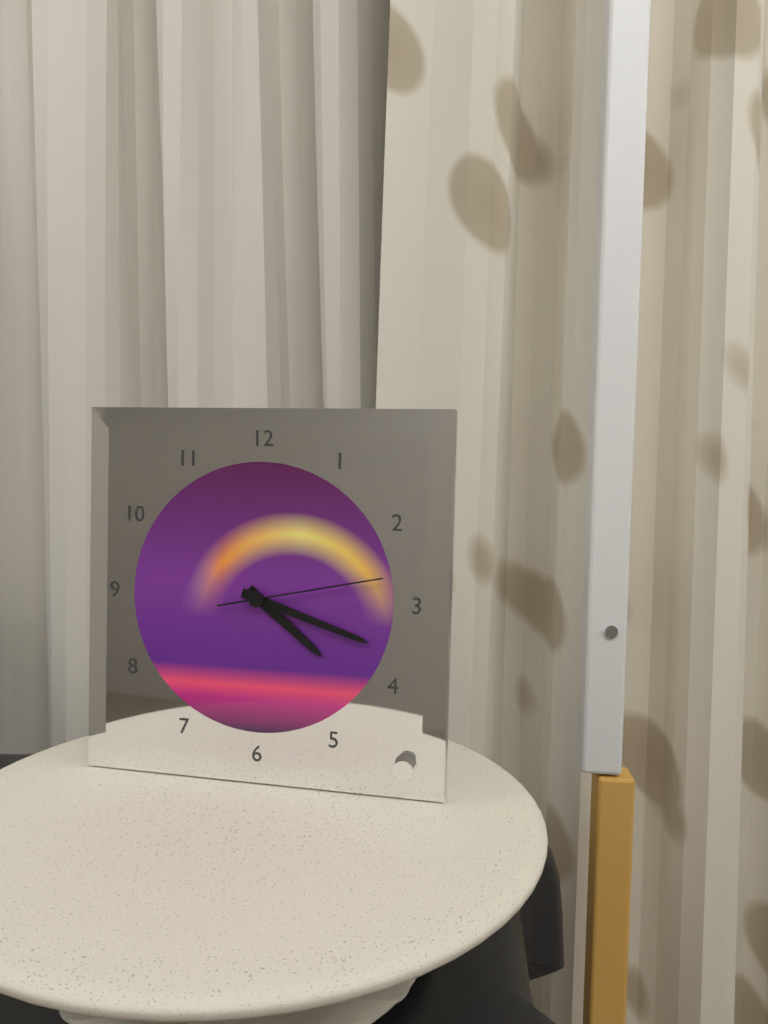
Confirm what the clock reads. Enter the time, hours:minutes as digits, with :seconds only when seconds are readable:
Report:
4:18:13
